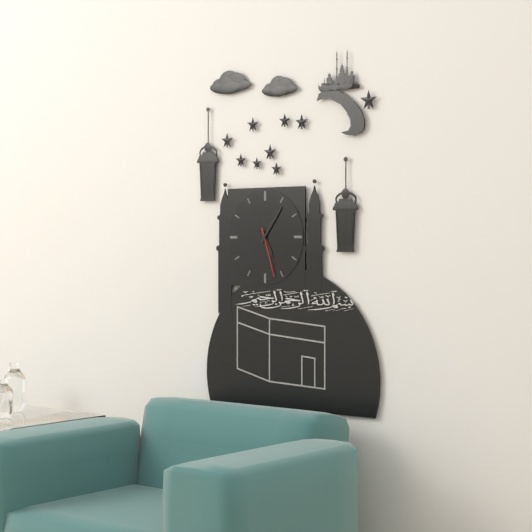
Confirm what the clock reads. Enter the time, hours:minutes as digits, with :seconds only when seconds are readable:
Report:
5:06
